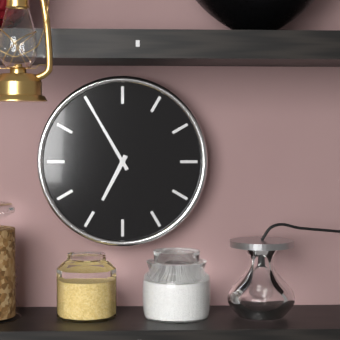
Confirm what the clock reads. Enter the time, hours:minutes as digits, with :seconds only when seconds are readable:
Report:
6:55
